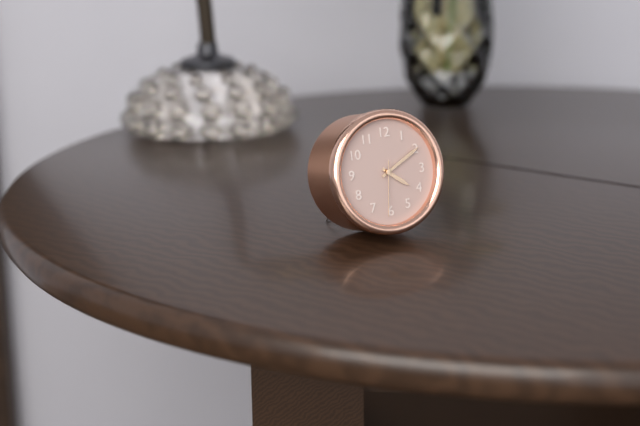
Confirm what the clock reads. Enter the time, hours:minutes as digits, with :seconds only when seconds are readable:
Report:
4:10:31
